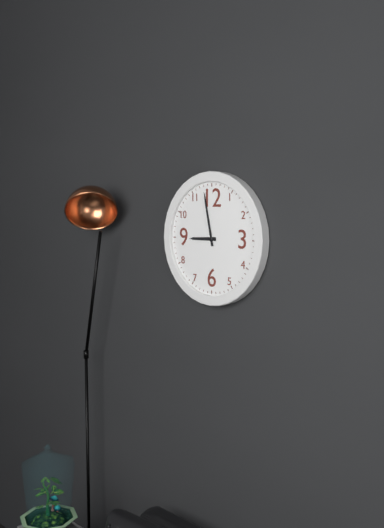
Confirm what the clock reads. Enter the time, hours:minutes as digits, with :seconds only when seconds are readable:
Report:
8:58
